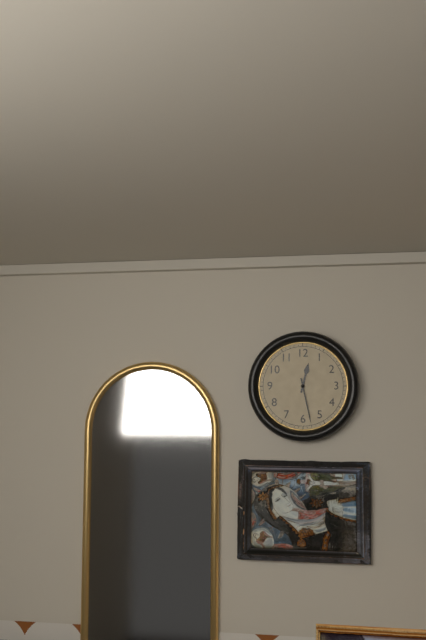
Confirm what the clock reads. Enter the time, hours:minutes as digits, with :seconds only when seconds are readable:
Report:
12:28
